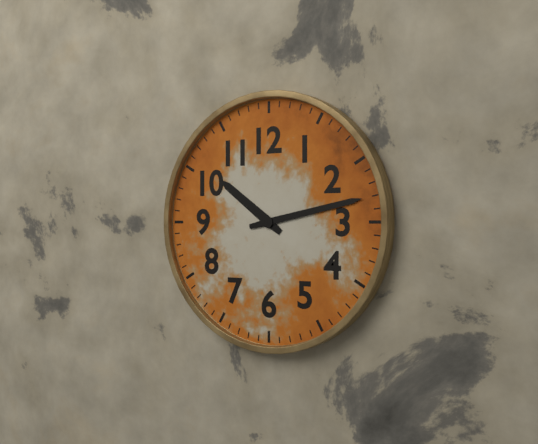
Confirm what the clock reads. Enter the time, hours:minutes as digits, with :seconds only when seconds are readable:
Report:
10:13
